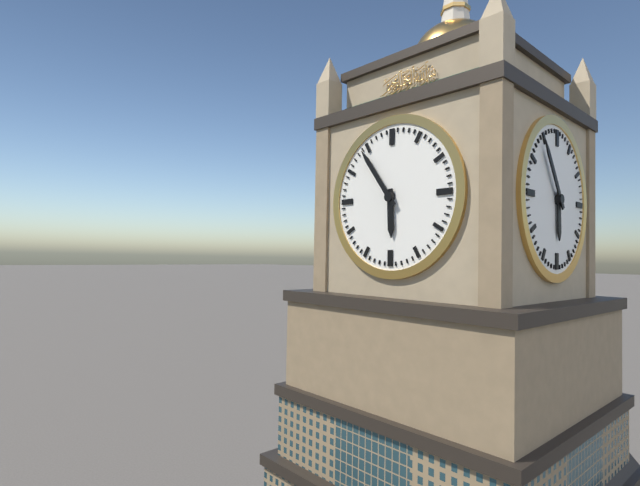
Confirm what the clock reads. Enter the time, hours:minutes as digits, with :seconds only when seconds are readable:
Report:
5:54
